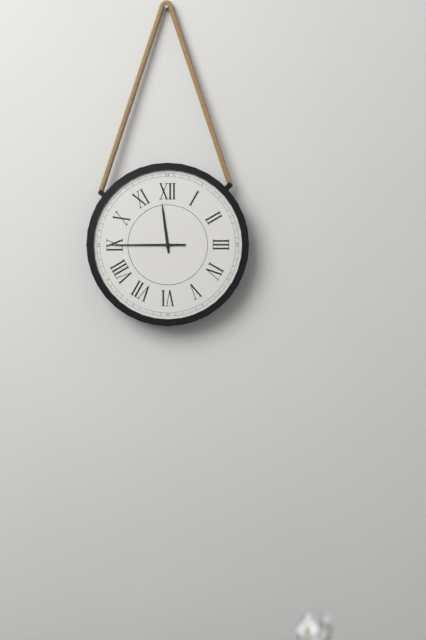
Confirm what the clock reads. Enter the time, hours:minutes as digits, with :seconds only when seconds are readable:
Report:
11:45
